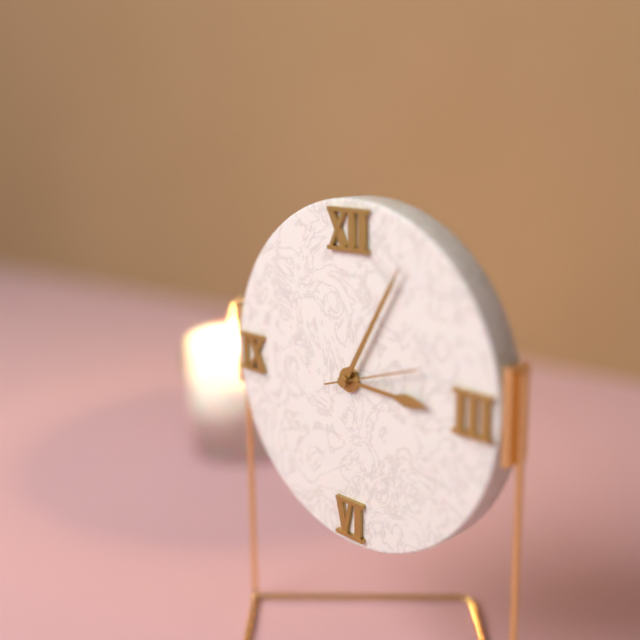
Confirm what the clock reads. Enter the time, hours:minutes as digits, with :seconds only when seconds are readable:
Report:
3:05:12
